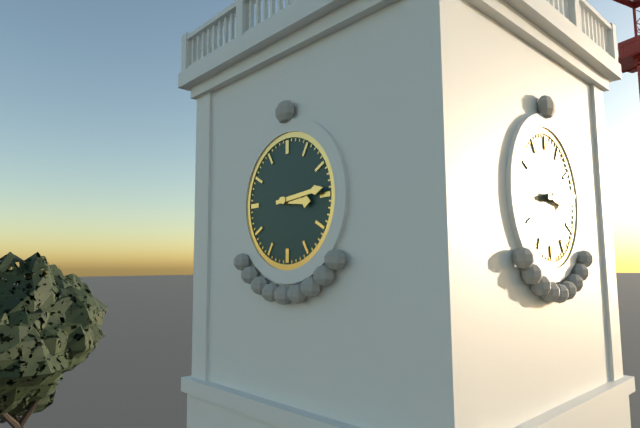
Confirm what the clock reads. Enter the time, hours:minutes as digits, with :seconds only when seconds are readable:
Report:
3:14
